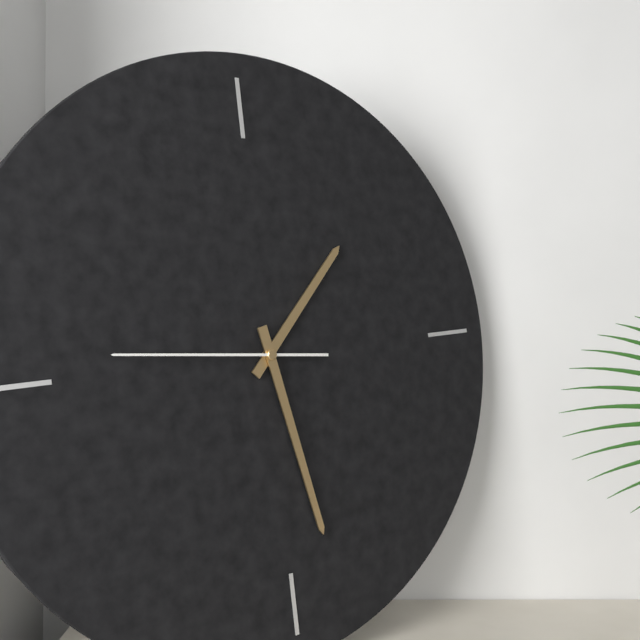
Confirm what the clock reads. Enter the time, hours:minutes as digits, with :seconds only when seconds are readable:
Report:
1:28:46
